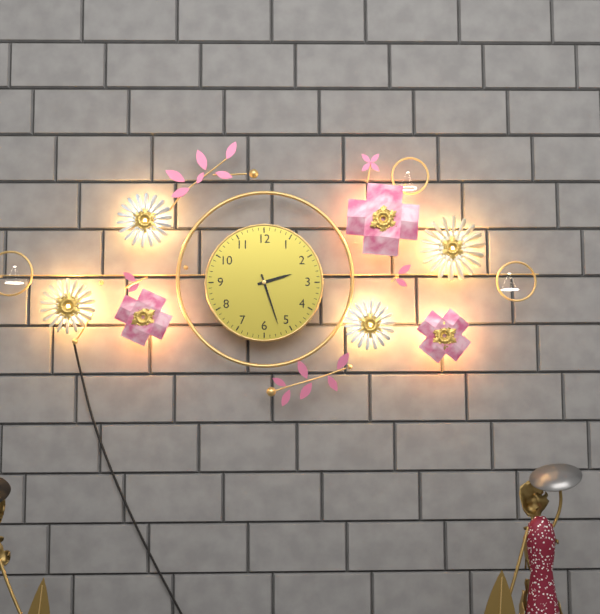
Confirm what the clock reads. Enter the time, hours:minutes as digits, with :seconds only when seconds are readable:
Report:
2:27
